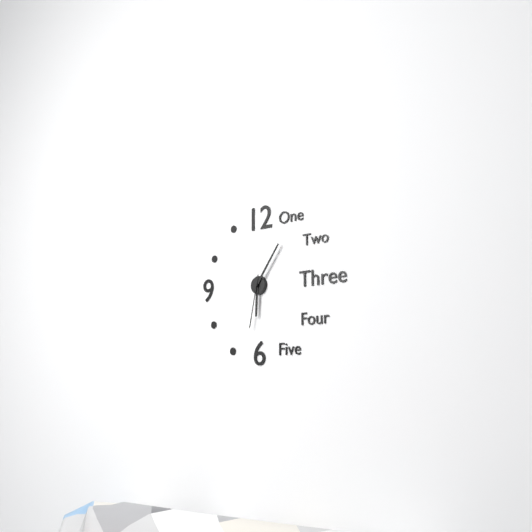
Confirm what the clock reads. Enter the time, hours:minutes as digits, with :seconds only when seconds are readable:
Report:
6:06:32
